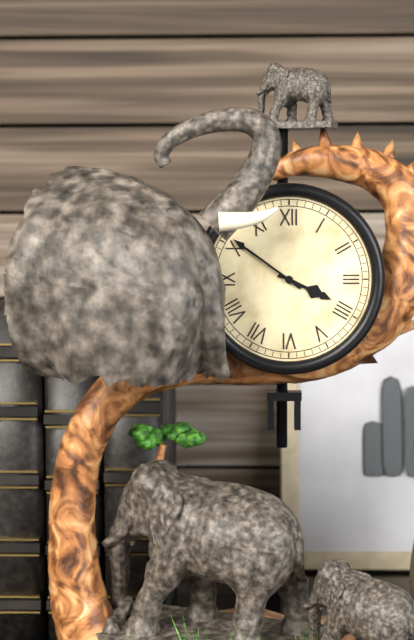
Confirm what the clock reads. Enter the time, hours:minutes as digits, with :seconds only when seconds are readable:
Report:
3:51
